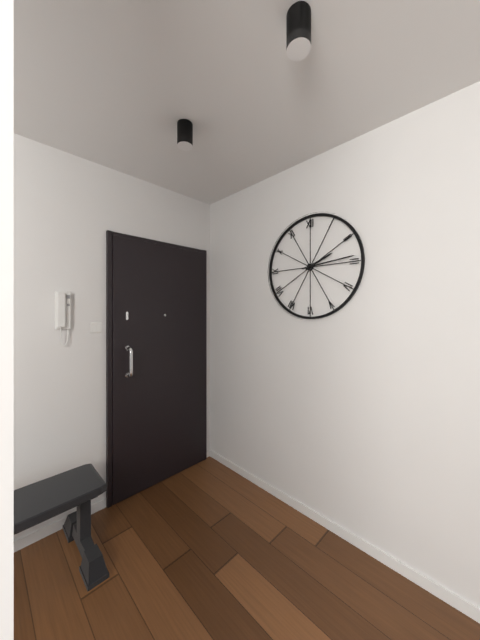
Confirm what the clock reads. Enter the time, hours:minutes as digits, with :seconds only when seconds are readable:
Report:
2:14
